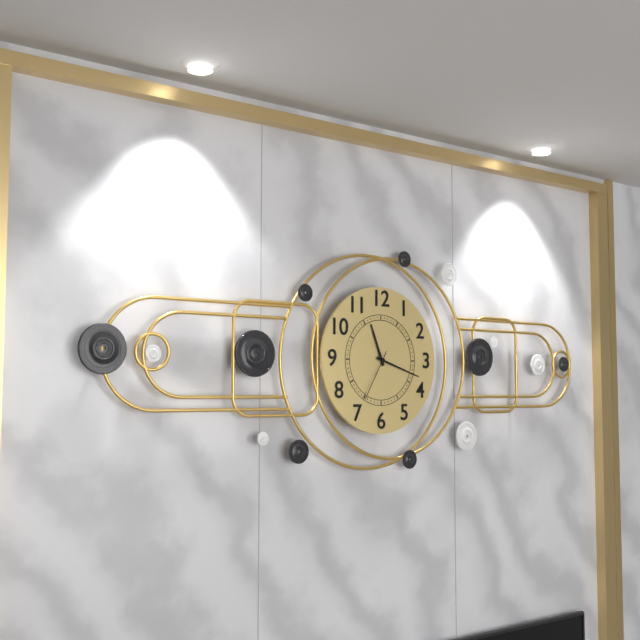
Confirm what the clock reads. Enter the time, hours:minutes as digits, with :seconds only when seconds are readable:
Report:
11:18:35
